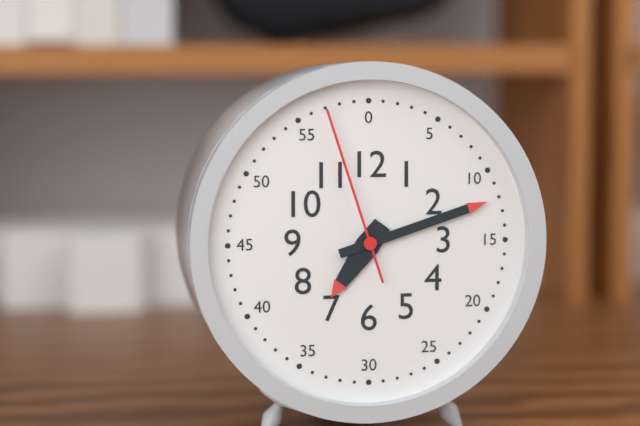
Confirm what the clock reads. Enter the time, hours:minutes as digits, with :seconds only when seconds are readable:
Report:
7:12:57
